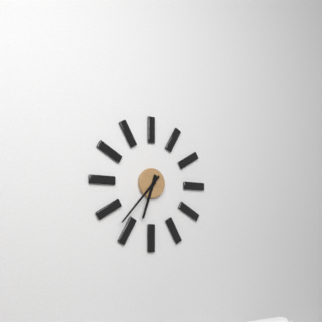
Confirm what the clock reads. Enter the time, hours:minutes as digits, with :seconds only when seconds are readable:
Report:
6:37
